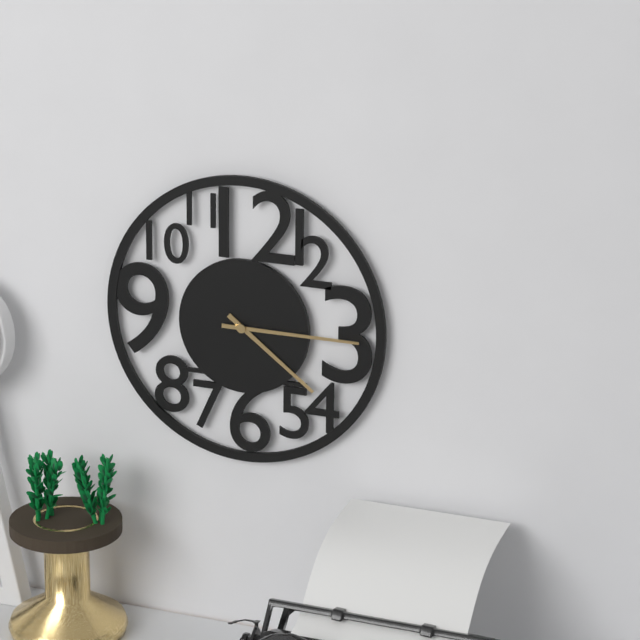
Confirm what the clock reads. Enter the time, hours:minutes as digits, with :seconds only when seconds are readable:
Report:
4:15
